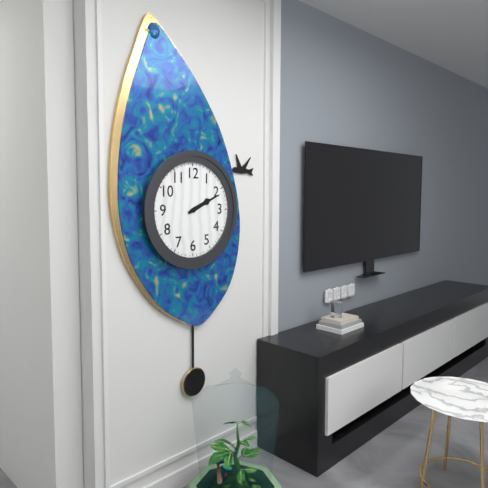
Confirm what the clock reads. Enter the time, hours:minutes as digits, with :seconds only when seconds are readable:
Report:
2:11
